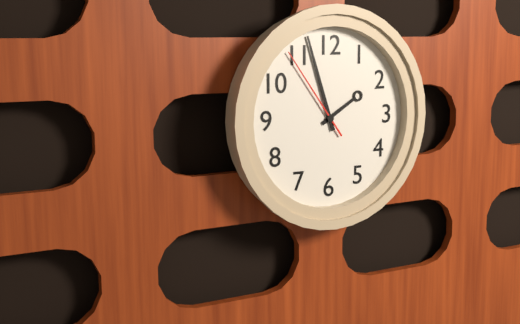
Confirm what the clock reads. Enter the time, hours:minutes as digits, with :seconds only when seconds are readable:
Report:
1:57:54
